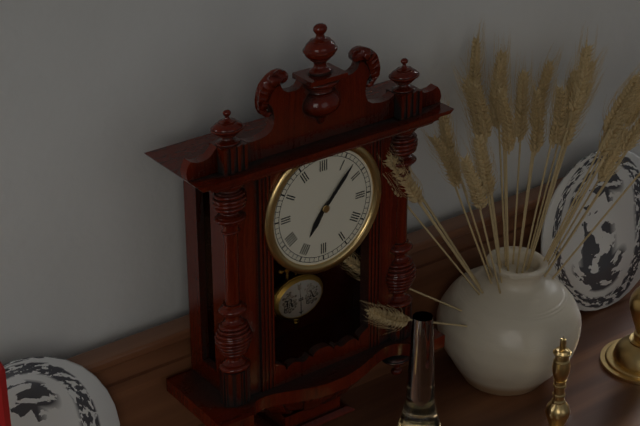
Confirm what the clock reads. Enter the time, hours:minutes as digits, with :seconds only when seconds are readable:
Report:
7:07
